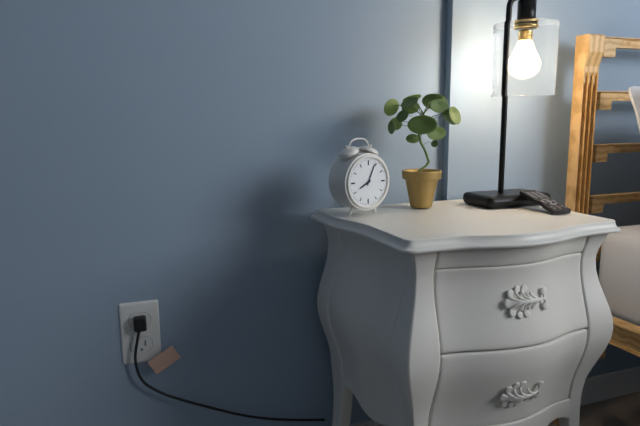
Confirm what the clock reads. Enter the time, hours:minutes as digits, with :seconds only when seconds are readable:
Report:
8:04
